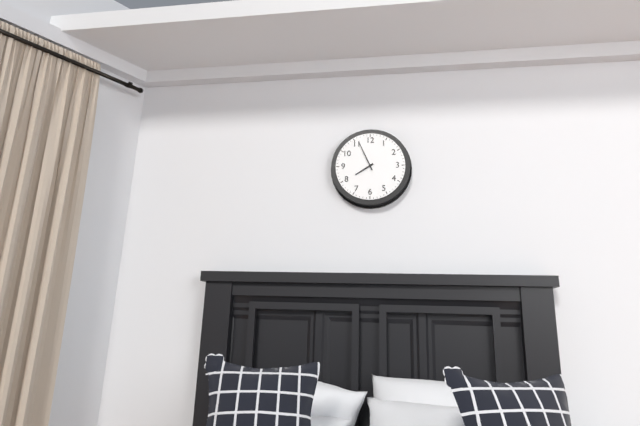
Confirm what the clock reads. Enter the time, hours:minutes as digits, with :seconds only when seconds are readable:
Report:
7:56
